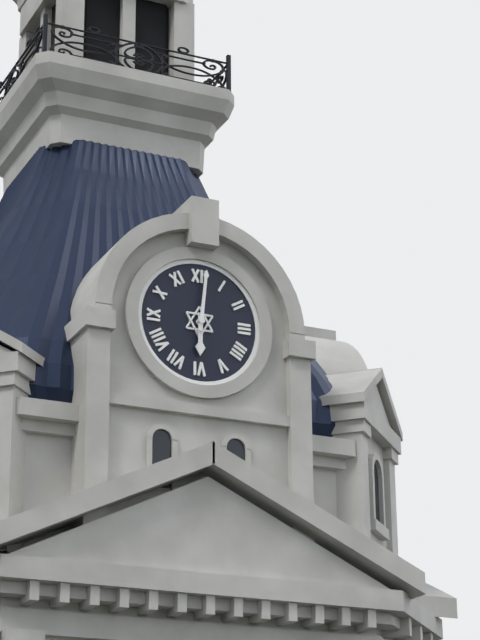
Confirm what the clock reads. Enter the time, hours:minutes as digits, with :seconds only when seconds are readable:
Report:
6:01
